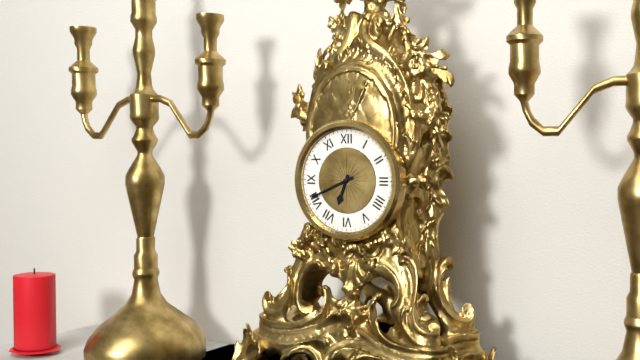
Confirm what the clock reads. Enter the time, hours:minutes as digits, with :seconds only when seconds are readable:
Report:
6:41
